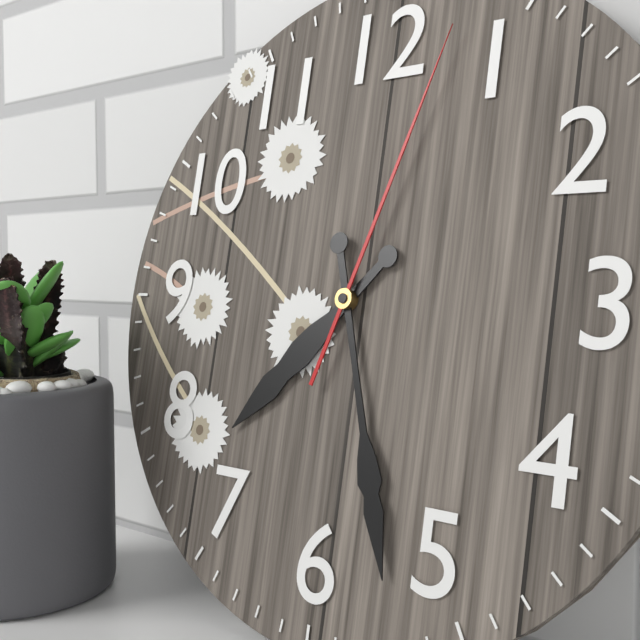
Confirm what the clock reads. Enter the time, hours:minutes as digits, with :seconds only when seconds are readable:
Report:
7:27:03
